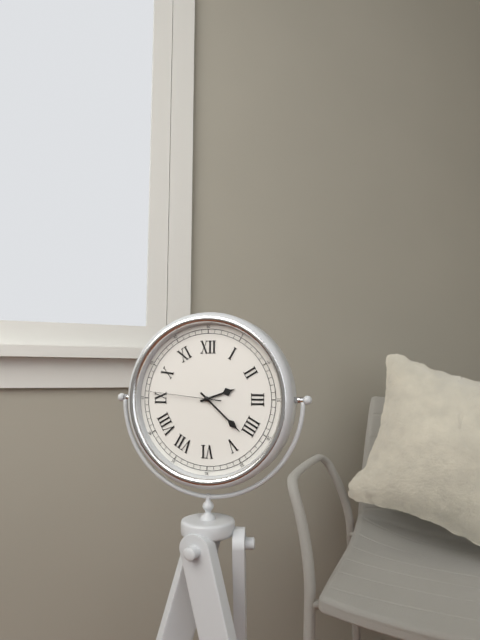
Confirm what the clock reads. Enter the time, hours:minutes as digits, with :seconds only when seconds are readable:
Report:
2:22:46
